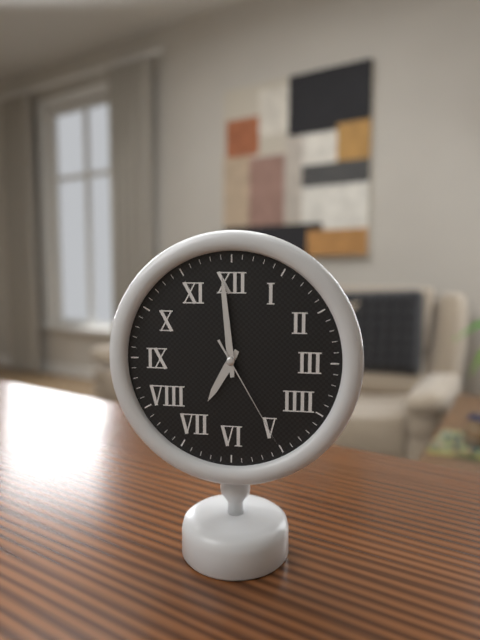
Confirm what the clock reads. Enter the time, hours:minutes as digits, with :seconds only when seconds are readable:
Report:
6:59:25
